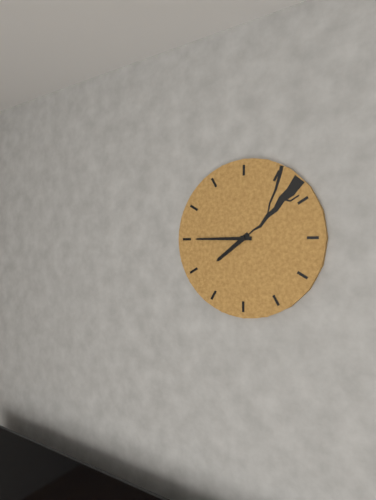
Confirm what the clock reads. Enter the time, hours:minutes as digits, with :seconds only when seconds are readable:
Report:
7:45
